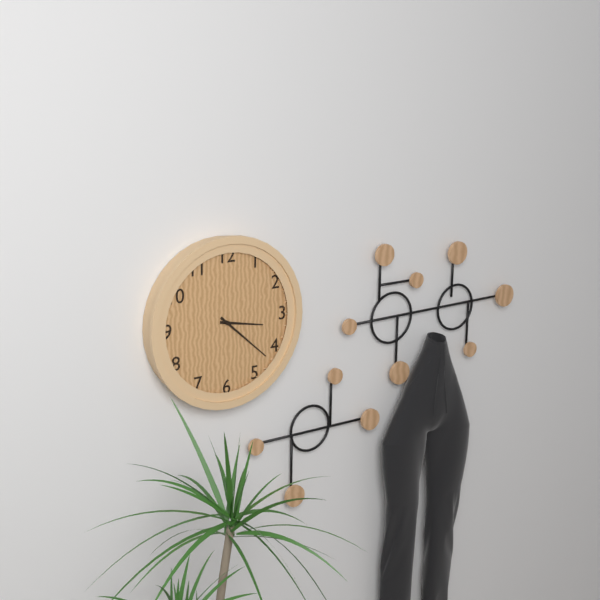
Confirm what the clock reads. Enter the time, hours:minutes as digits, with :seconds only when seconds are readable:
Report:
3:22
